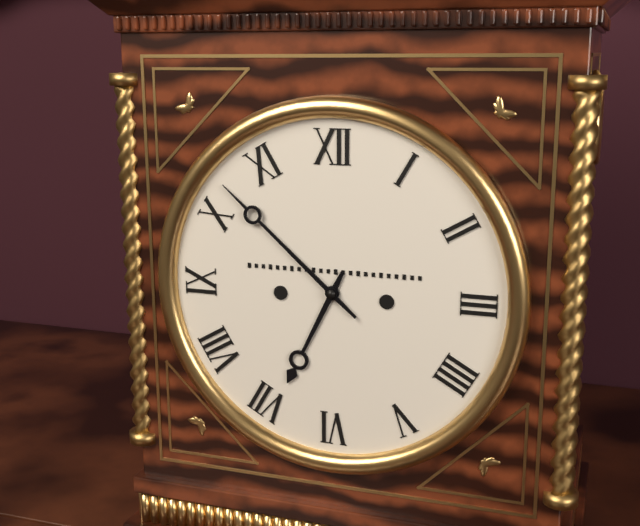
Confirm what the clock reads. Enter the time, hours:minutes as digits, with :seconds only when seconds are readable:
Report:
6:52
